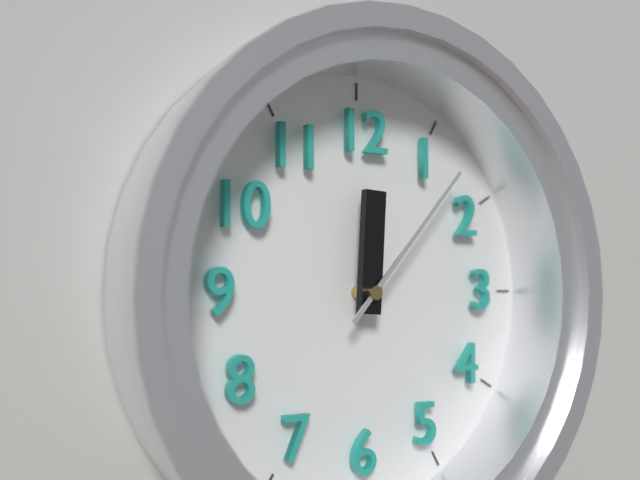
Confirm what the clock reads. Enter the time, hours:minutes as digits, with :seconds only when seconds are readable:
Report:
12:07
